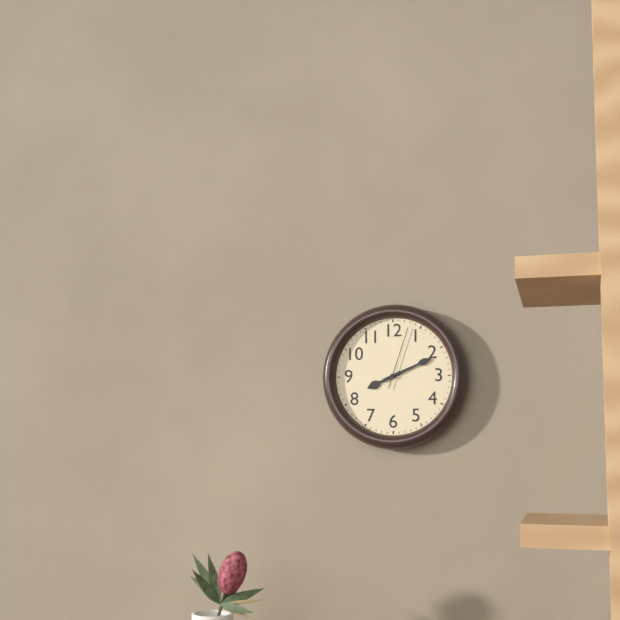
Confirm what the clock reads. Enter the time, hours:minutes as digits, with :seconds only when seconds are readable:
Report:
8:11:03
